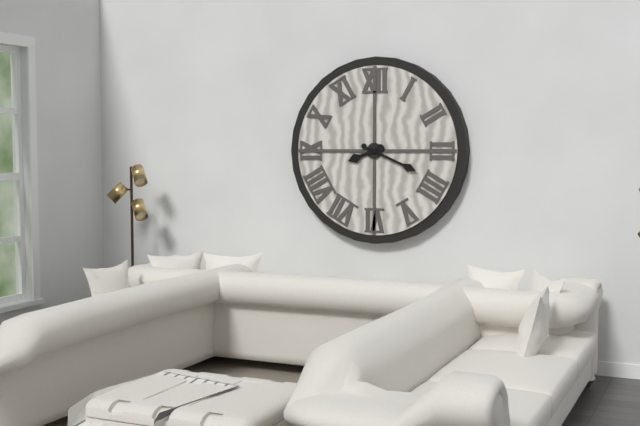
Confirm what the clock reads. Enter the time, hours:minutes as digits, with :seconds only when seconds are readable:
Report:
8:19
